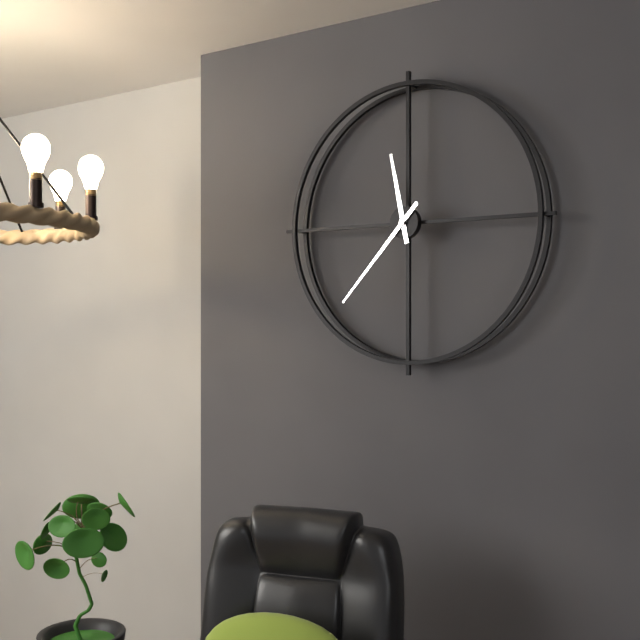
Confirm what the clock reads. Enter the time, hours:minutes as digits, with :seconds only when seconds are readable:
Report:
11:37
